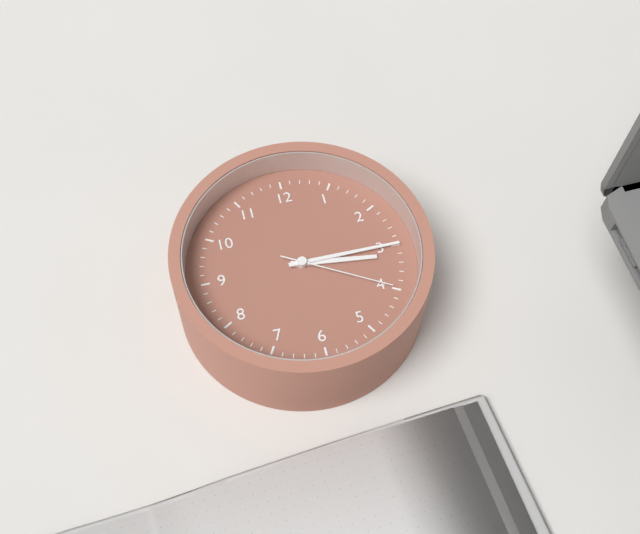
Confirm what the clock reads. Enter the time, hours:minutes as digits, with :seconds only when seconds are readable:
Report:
3:15:20
